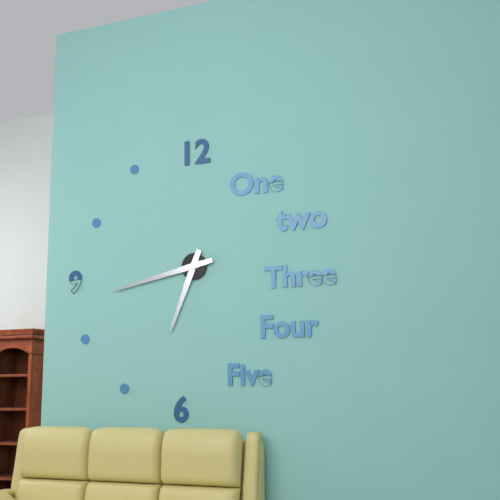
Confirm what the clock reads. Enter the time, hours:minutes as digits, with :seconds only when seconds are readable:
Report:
6:43
